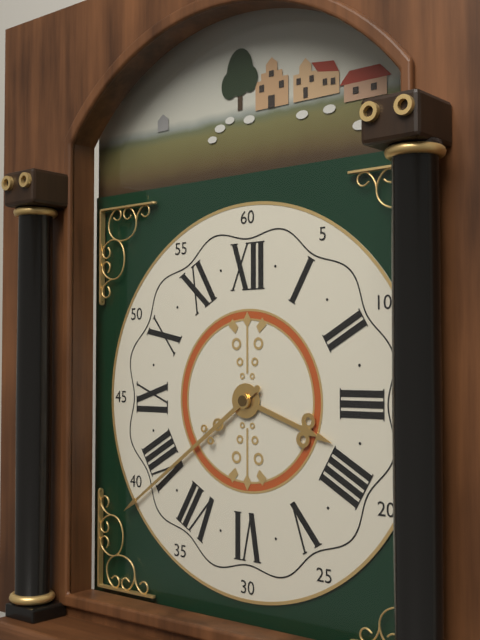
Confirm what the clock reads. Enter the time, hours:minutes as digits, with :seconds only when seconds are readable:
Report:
3:39
